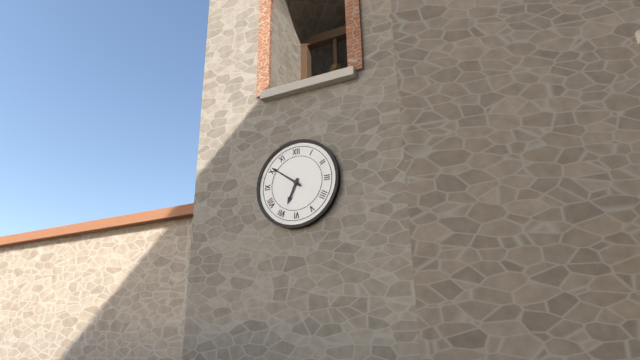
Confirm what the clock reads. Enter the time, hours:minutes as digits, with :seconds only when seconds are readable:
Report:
6:51
